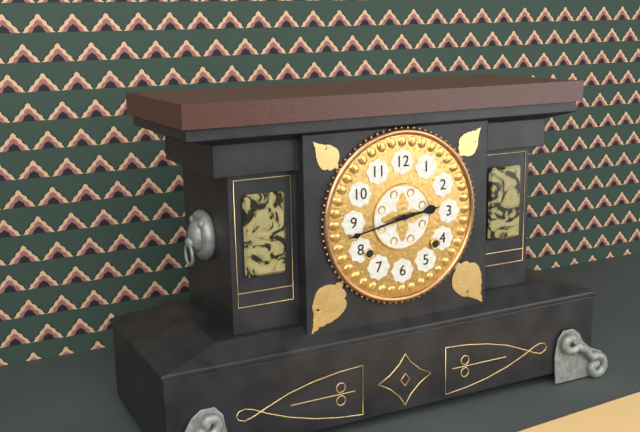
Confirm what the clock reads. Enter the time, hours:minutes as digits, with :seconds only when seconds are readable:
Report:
2:43
